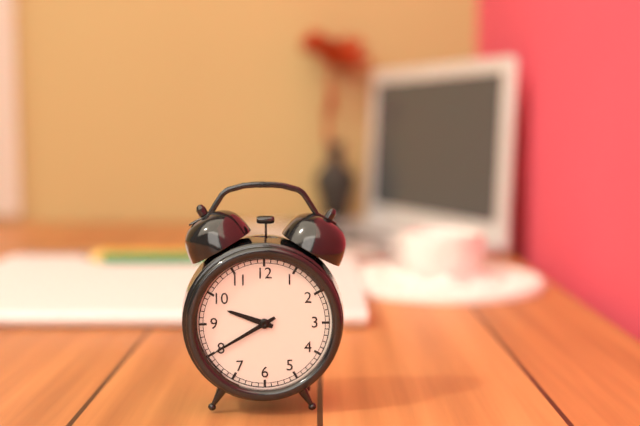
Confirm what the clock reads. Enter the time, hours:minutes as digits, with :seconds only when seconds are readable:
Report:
9:40
